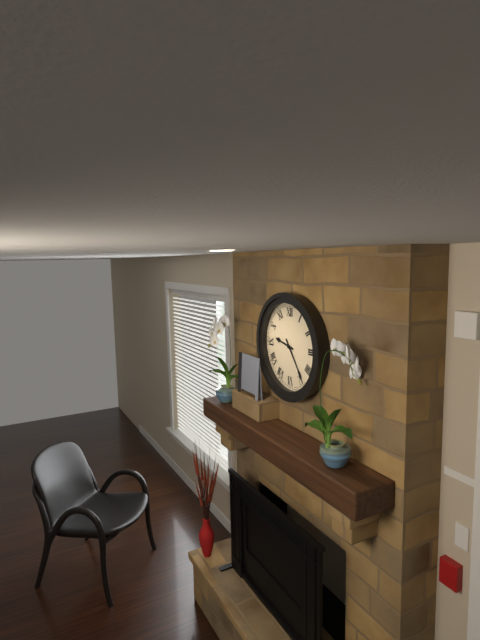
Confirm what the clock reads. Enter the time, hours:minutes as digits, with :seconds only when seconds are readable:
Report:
9:24
